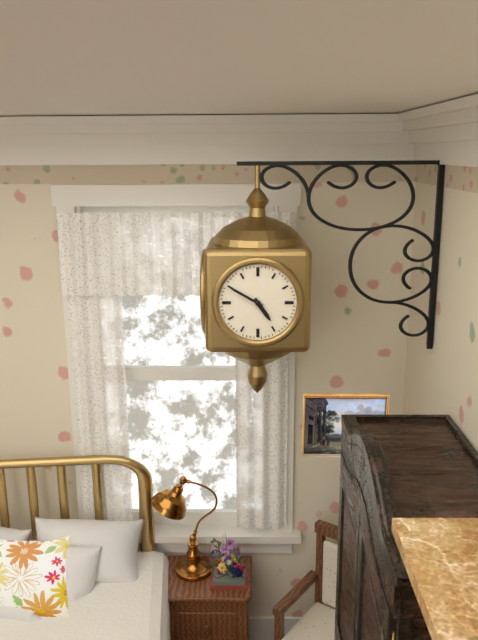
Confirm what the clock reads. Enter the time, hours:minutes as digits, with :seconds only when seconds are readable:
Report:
4:50
